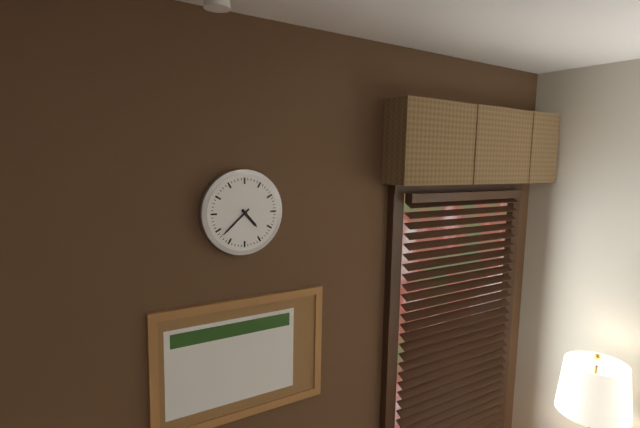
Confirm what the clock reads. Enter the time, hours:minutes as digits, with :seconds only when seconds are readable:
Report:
4:38
